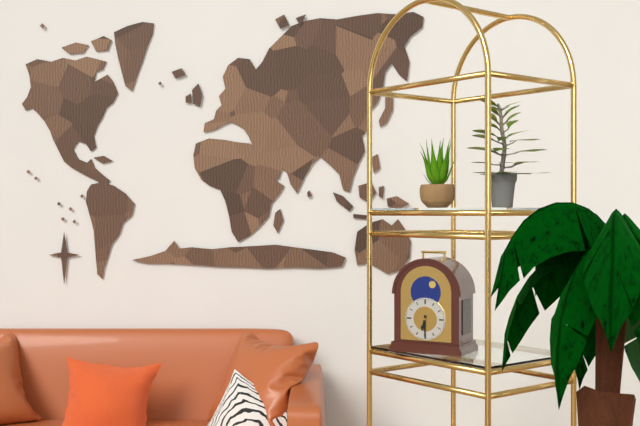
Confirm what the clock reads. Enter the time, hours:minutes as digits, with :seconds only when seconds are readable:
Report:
6:30
